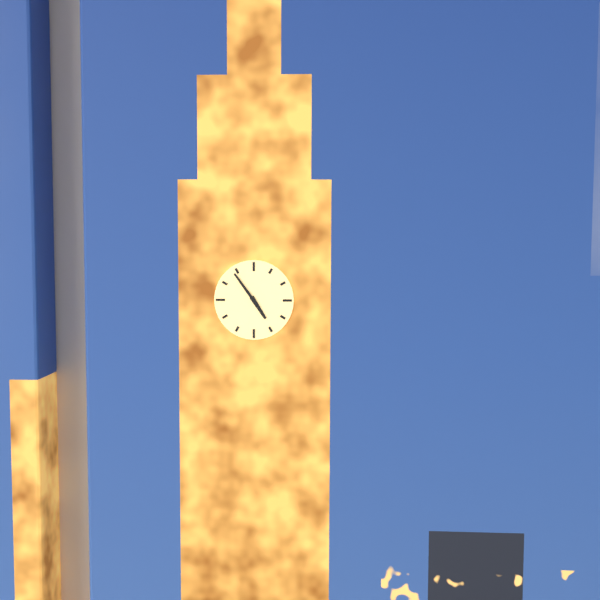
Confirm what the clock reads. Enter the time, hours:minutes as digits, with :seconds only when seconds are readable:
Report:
4:54
